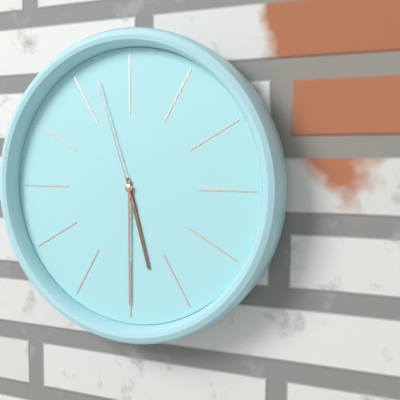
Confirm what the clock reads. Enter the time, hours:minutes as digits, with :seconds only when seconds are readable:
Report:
5:30:57
